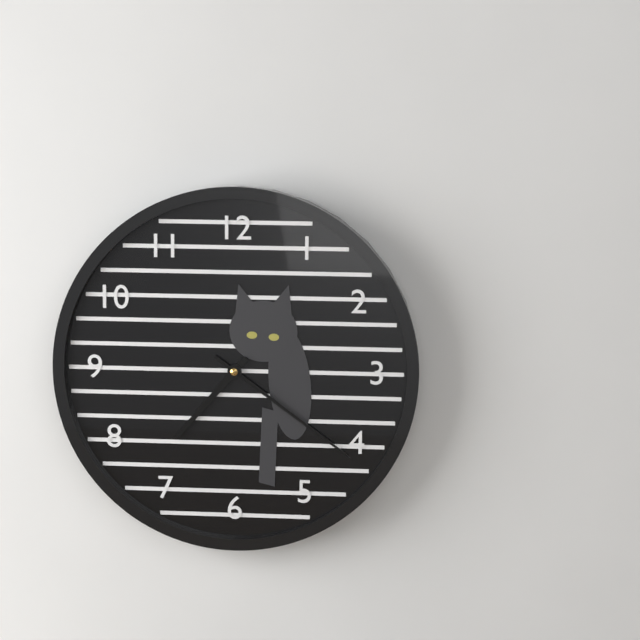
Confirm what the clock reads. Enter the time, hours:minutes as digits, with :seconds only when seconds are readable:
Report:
7:21
